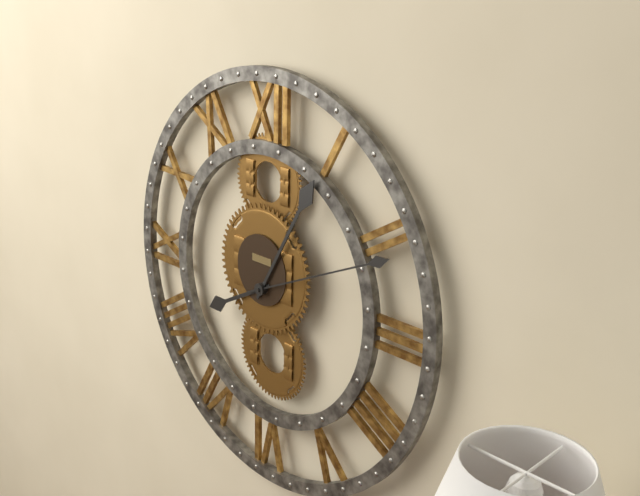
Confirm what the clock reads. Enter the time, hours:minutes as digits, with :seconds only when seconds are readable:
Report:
8:05:11
